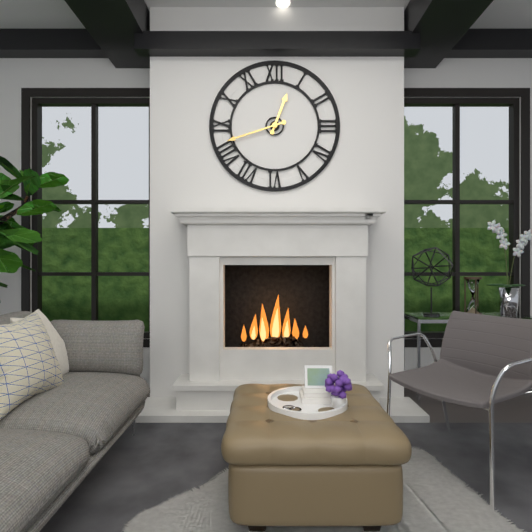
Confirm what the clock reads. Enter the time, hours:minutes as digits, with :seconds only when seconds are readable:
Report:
12:42
